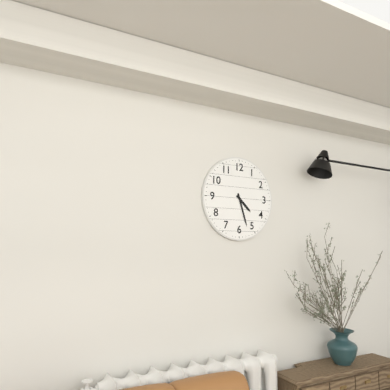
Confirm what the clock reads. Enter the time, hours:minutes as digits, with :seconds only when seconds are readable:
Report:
4:27
